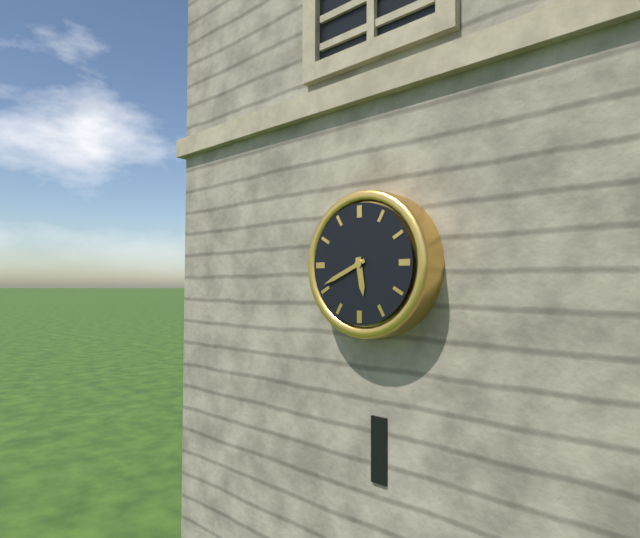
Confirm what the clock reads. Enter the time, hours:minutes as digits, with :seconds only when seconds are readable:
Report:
5:41
